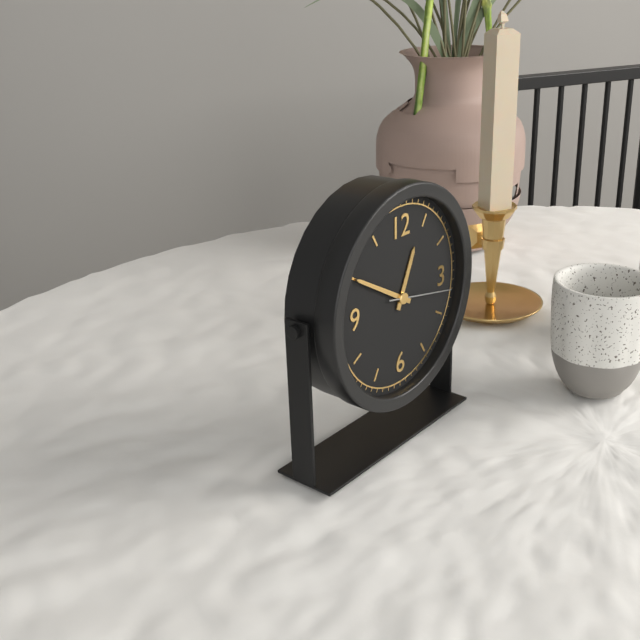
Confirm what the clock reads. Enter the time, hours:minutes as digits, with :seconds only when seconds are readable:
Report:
12:50:17
